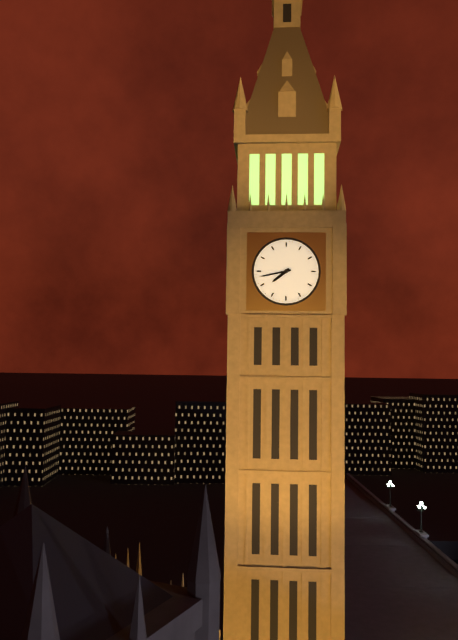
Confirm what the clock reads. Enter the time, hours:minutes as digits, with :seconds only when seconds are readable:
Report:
7:43
